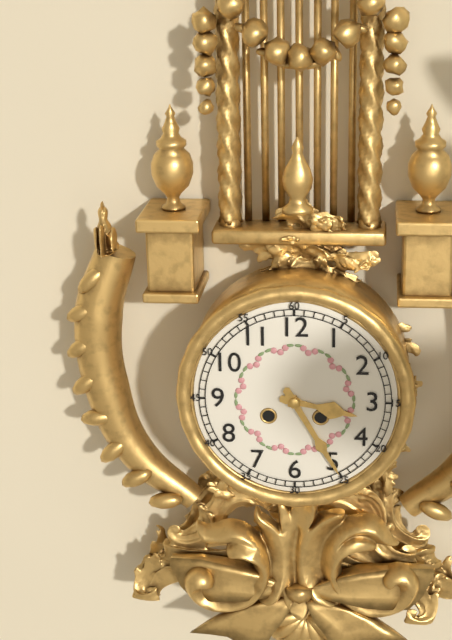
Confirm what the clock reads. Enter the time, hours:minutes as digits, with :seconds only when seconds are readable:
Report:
3:25
